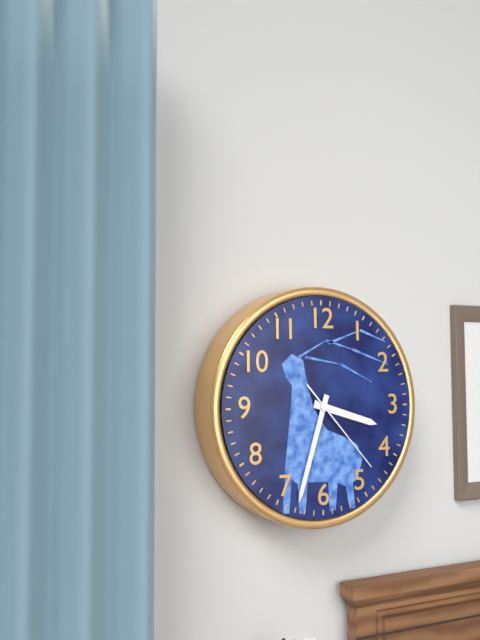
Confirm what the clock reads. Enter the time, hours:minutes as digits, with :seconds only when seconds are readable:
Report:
3:33:23
